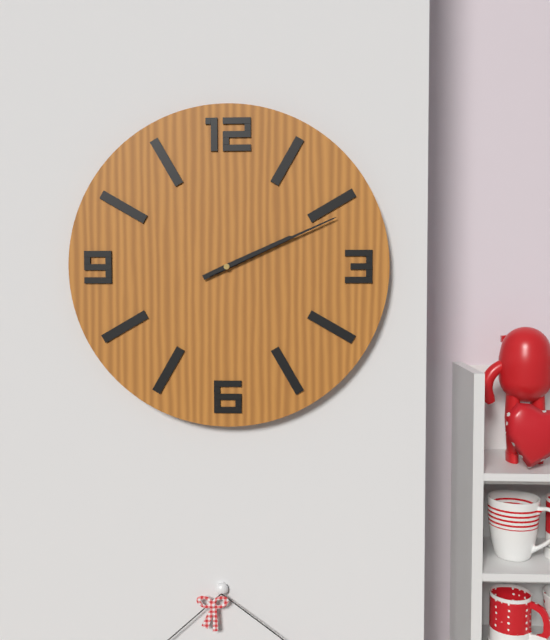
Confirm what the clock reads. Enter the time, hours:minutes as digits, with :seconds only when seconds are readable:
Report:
2:11
